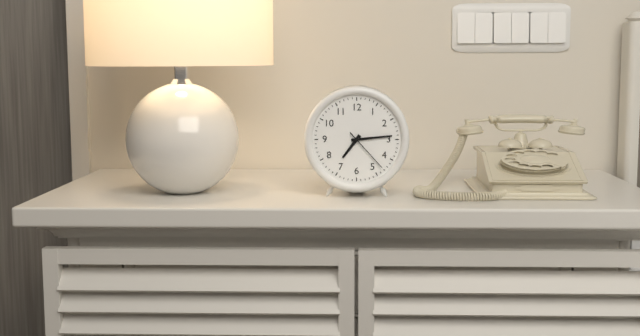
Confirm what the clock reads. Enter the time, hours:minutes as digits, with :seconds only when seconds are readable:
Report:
7:14
